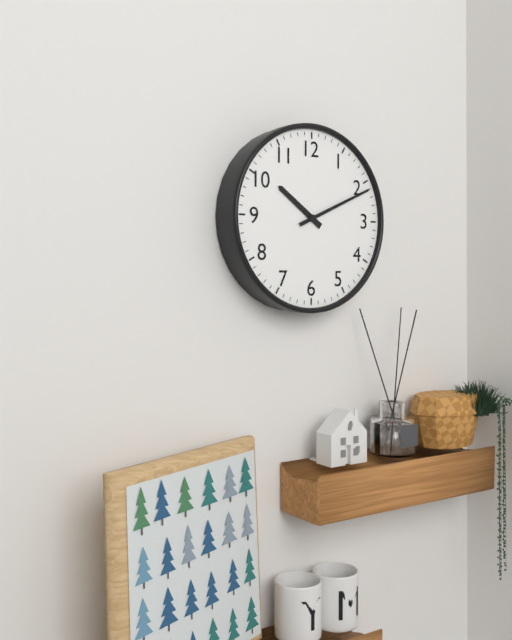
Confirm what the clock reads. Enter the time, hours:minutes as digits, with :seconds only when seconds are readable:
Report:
10:11
